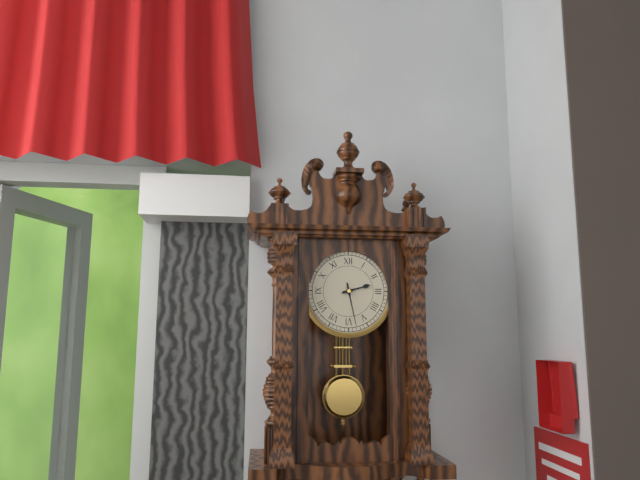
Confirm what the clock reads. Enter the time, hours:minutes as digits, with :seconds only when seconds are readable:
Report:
2:28
